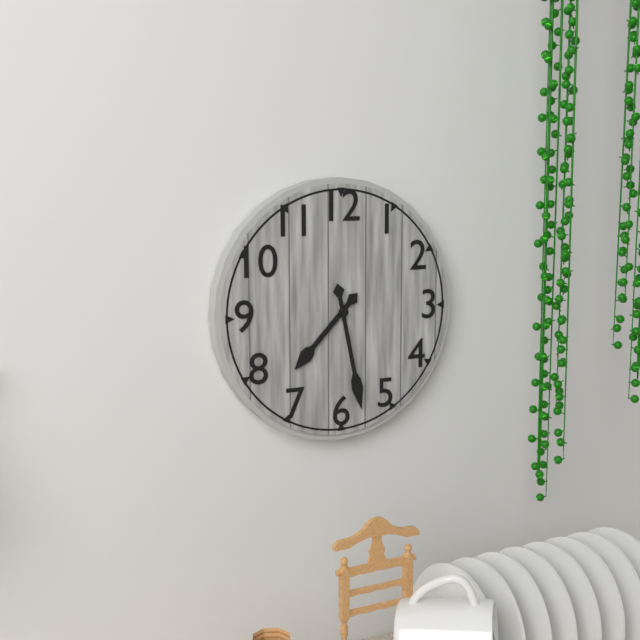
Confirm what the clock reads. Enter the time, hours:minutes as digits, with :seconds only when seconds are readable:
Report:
7:28
